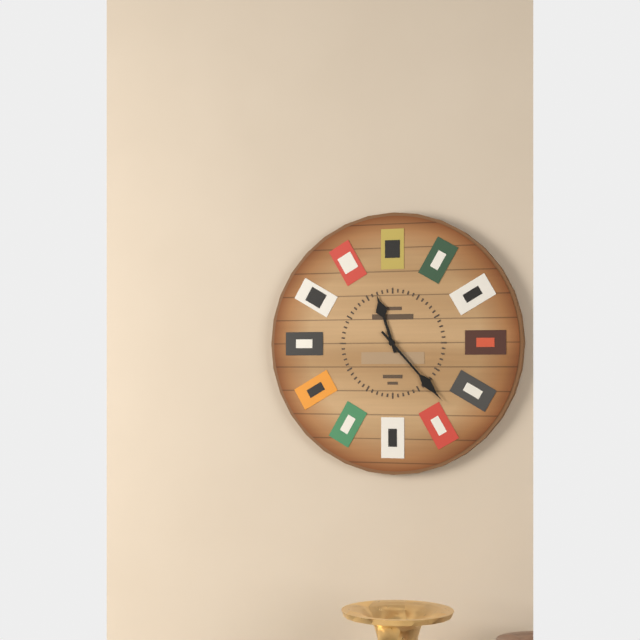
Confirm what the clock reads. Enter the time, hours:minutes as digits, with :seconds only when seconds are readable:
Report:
11:23
